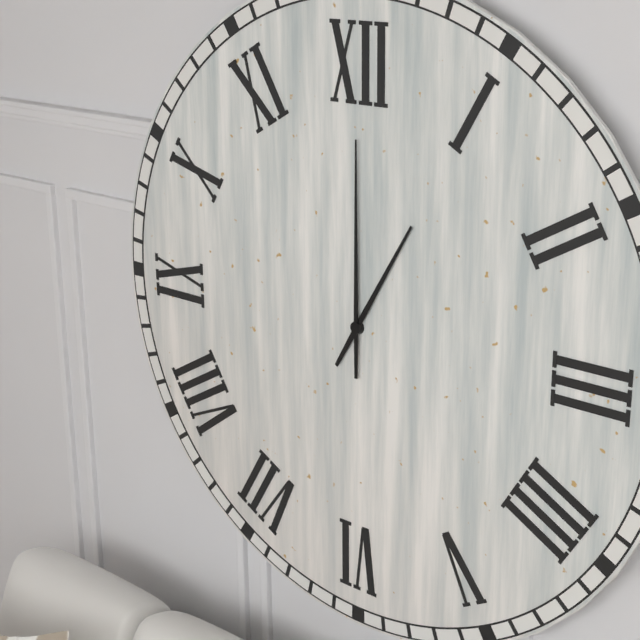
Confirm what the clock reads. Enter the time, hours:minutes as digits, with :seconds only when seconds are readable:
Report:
1:00
